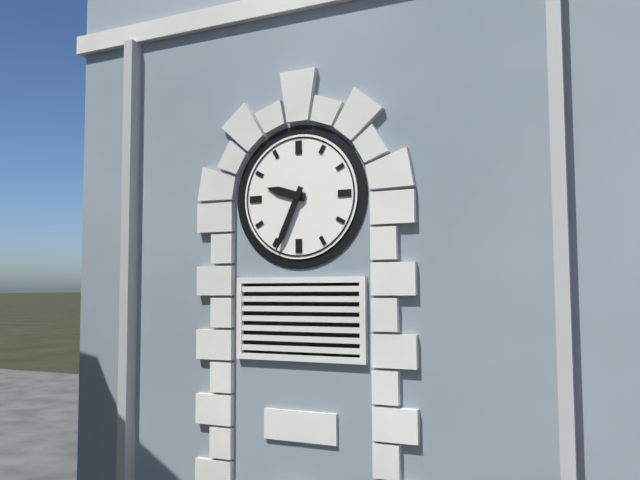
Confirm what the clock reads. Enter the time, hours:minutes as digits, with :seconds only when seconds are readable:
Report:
9:34
